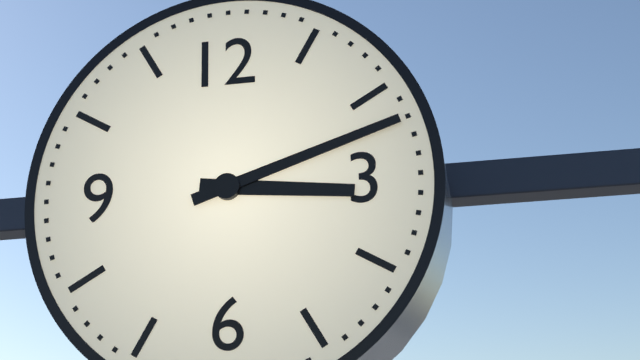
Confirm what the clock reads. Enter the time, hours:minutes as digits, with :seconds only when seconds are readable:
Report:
3:12
